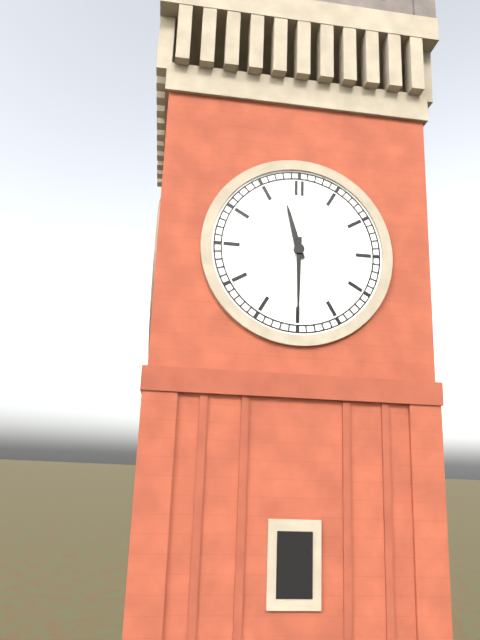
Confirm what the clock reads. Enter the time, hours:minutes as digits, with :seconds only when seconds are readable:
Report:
11:30
